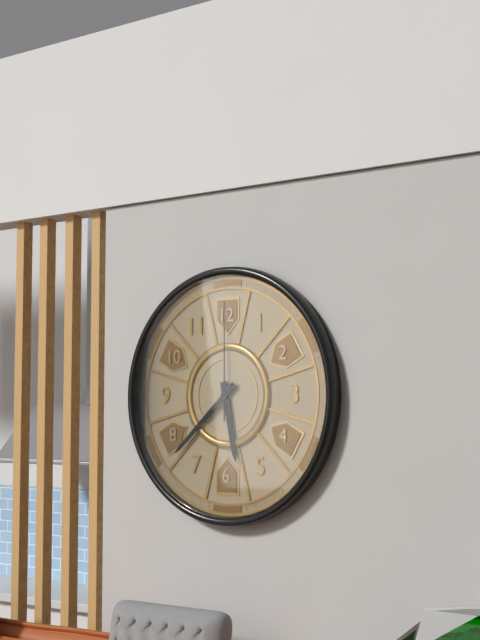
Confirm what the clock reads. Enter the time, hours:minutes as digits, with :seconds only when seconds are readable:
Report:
5:38:00
